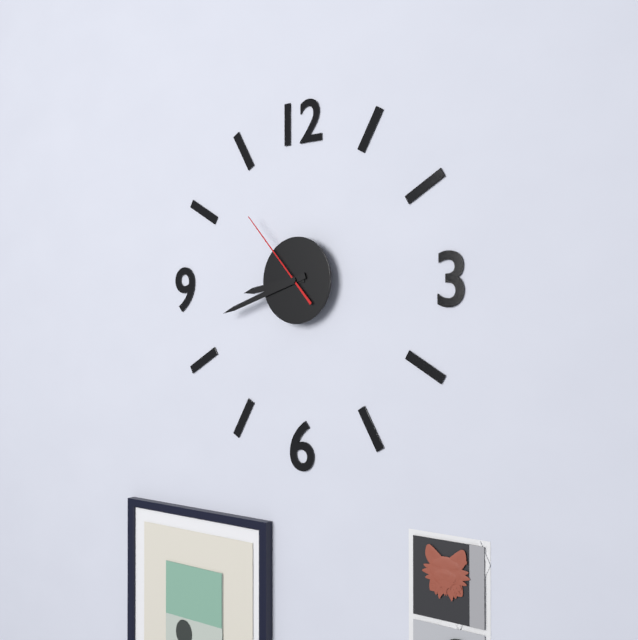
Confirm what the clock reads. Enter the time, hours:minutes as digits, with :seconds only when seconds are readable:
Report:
8:42:53
